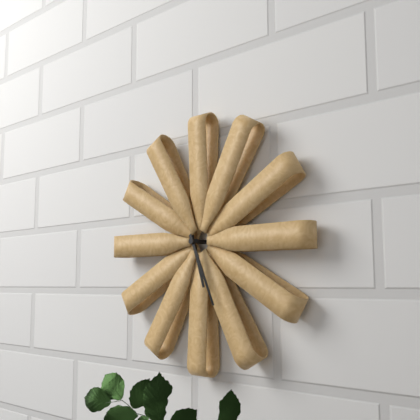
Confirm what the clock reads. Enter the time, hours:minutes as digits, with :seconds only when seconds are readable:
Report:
5:26
